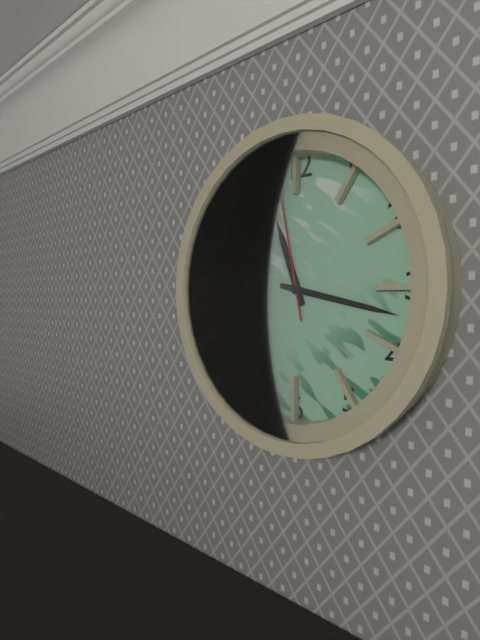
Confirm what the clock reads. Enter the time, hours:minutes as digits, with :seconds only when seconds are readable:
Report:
11:17:58
